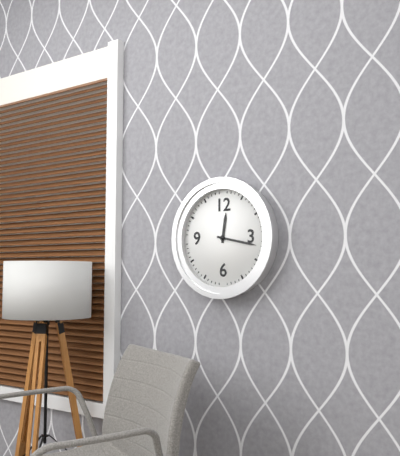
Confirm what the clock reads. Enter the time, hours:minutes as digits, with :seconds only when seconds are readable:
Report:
12:17
